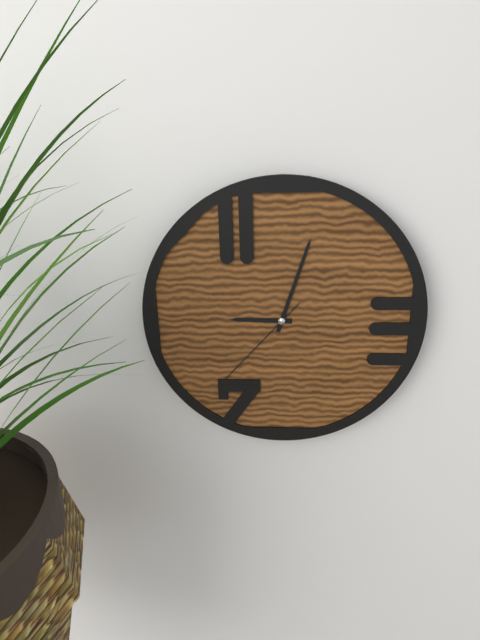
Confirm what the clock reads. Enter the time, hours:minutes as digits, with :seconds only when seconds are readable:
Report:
9:03:37
